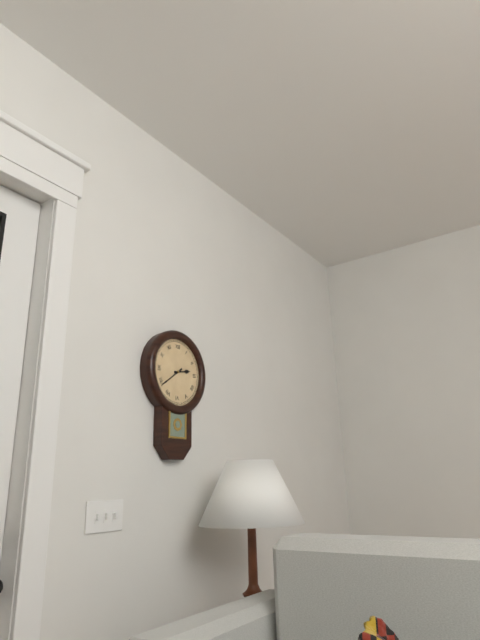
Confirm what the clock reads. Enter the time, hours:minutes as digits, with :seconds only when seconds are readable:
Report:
2:39
